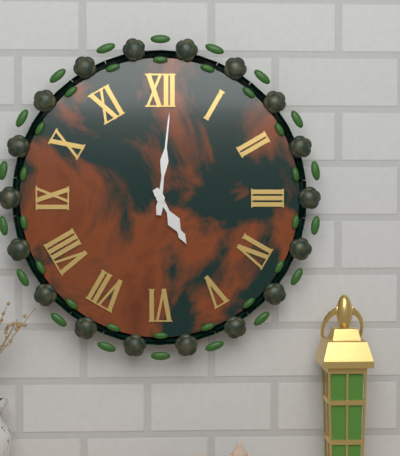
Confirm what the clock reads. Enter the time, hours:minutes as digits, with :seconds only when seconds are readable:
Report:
5:01
